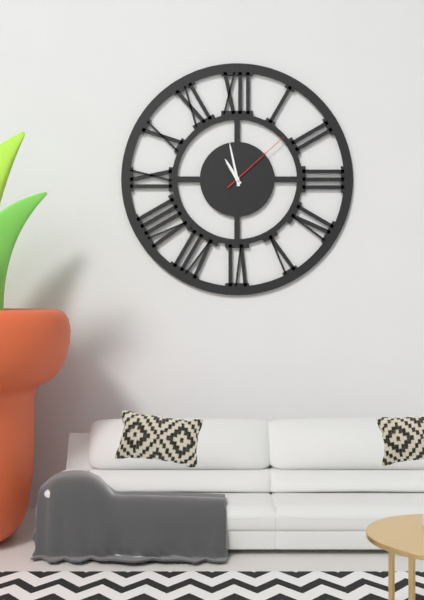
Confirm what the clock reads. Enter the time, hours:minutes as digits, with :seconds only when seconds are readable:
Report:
10:58:08
